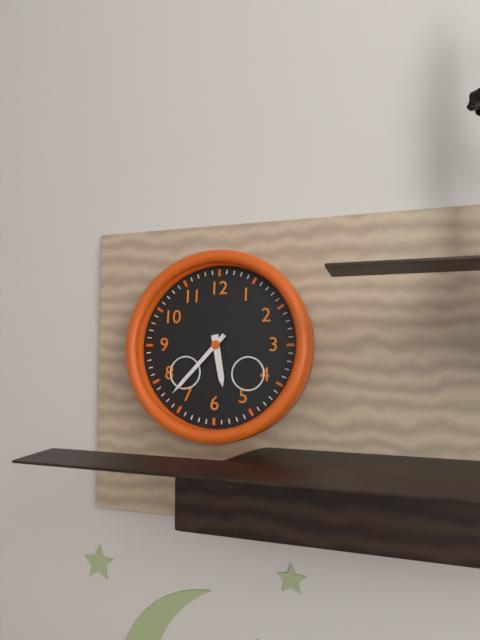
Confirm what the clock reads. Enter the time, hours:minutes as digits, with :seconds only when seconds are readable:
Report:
5:37
